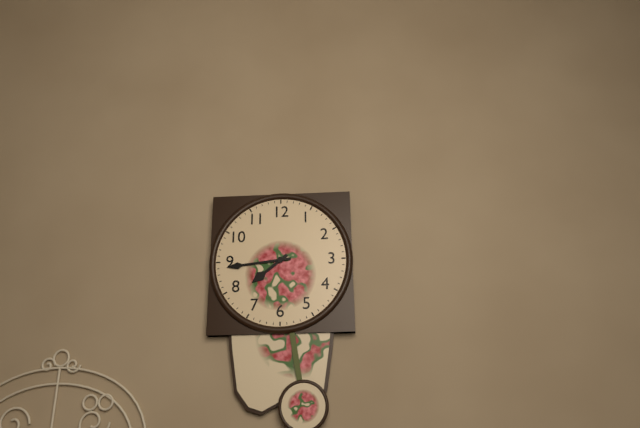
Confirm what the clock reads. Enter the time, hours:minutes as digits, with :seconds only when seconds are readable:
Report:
7:44
